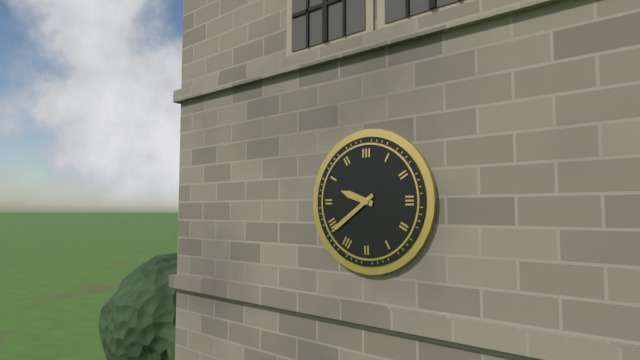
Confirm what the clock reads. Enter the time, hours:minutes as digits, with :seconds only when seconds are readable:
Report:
9:39
